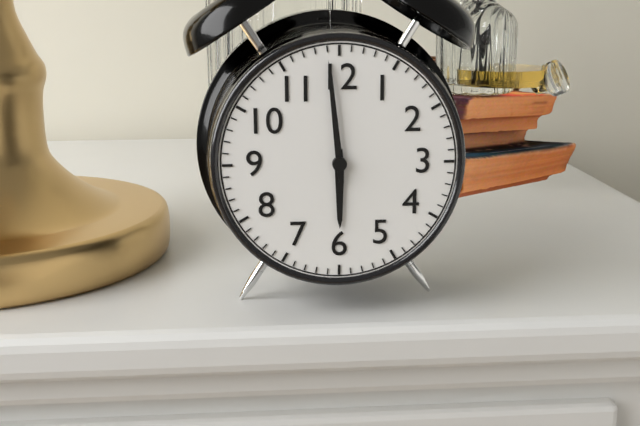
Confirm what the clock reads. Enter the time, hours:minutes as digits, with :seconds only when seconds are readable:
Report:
5:59
